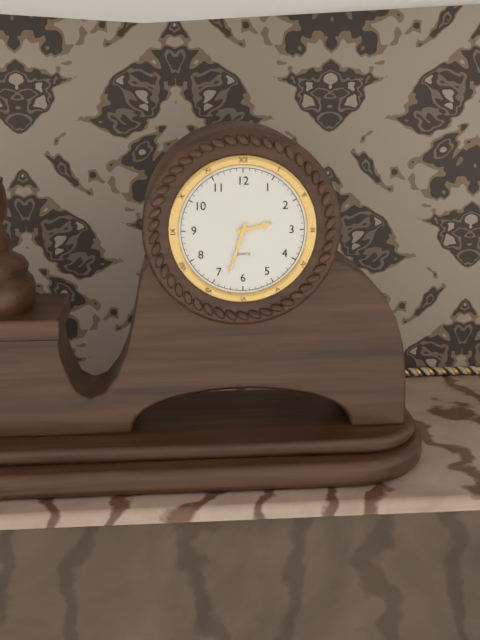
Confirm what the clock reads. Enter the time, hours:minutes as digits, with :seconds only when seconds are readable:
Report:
2:33
